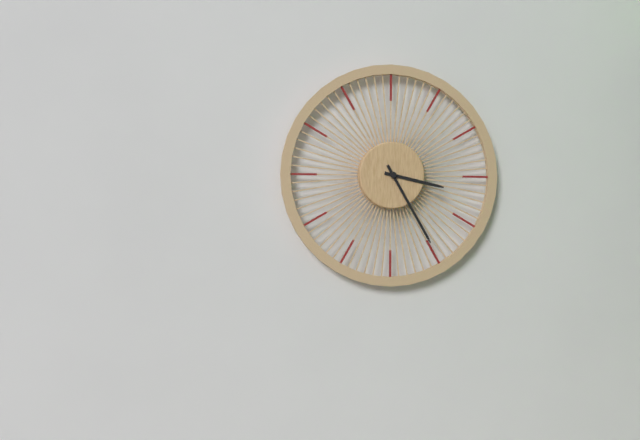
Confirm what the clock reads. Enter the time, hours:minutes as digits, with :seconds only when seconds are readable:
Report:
3:25
